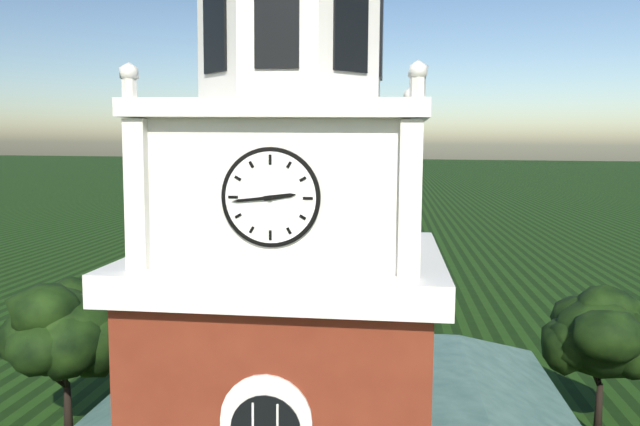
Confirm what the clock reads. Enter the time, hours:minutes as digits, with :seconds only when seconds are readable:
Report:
2:44
